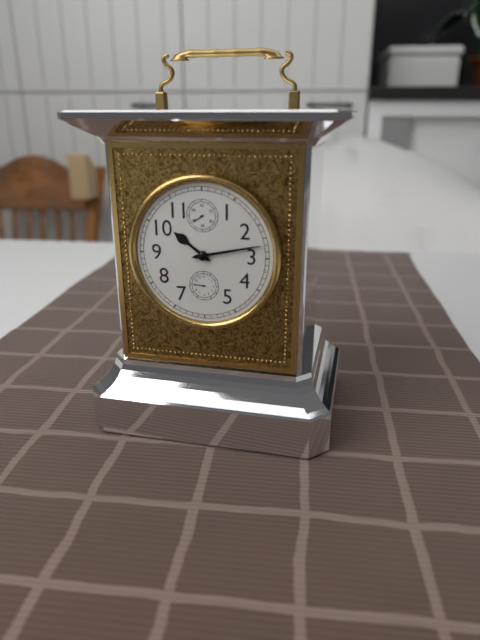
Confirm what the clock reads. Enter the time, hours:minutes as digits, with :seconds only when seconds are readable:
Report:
10:13
